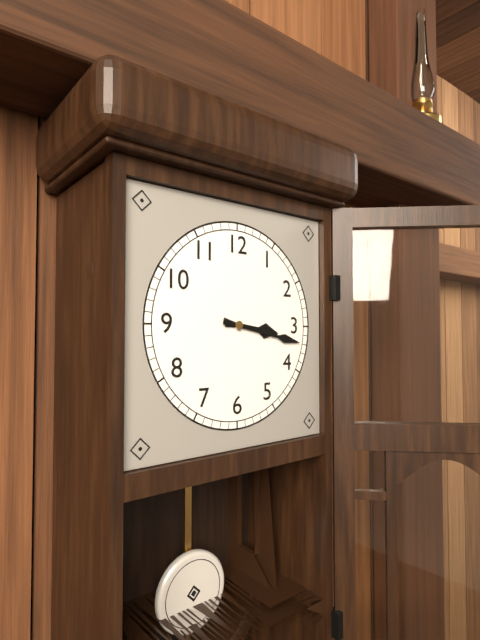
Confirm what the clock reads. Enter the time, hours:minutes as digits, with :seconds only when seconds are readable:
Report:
3:17
